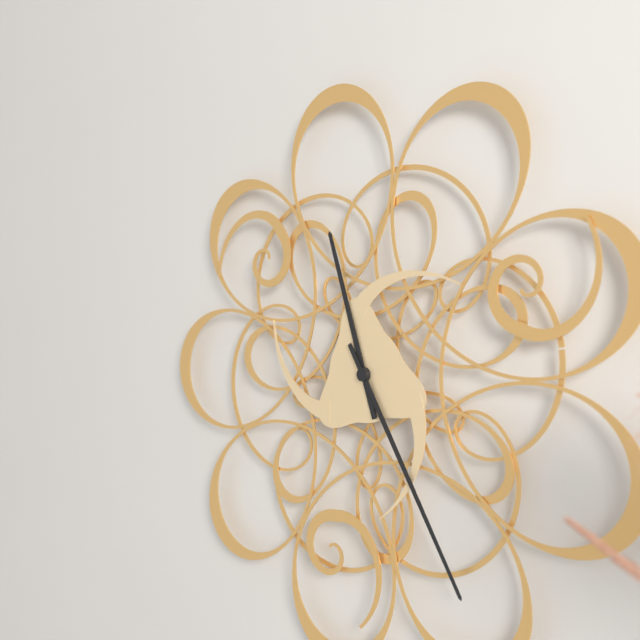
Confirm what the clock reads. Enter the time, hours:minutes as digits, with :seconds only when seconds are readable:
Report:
11:25
